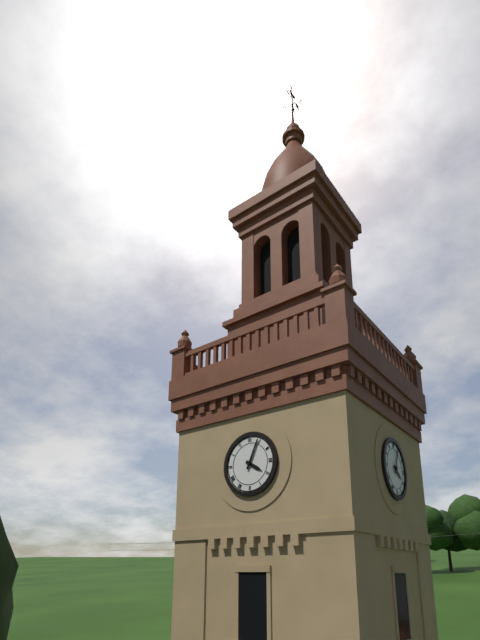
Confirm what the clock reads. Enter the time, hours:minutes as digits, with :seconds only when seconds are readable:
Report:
4:04
